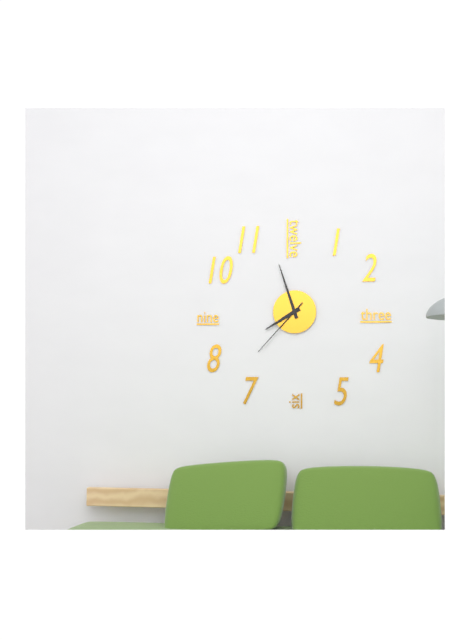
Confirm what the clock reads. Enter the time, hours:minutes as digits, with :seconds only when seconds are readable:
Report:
7:57:37
